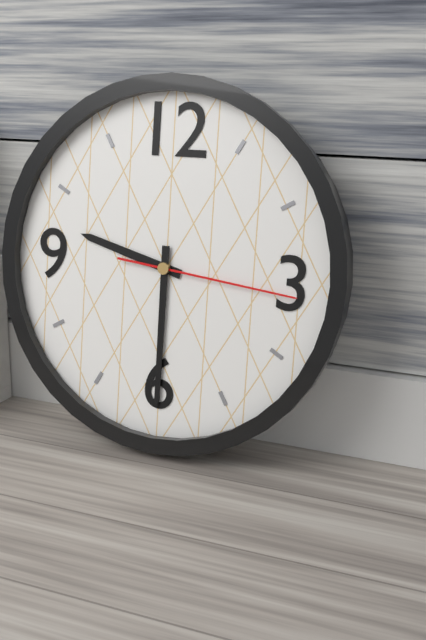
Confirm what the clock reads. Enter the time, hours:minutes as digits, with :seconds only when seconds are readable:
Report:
9:30:16
